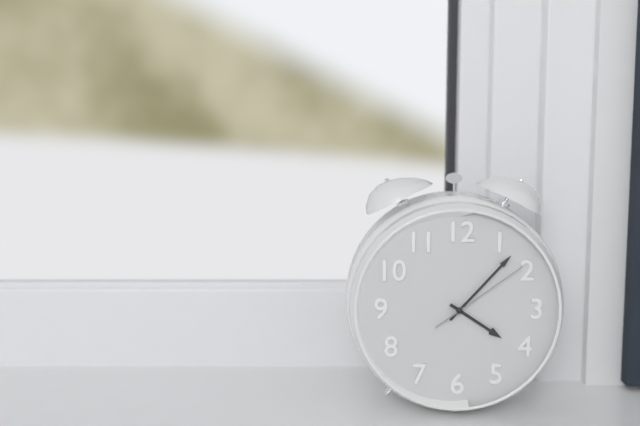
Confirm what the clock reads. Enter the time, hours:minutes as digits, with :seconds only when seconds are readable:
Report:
4:07:09
